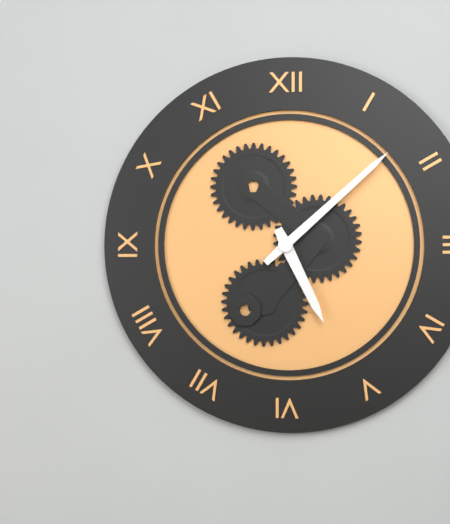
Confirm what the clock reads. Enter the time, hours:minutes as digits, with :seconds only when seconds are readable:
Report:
5:08
